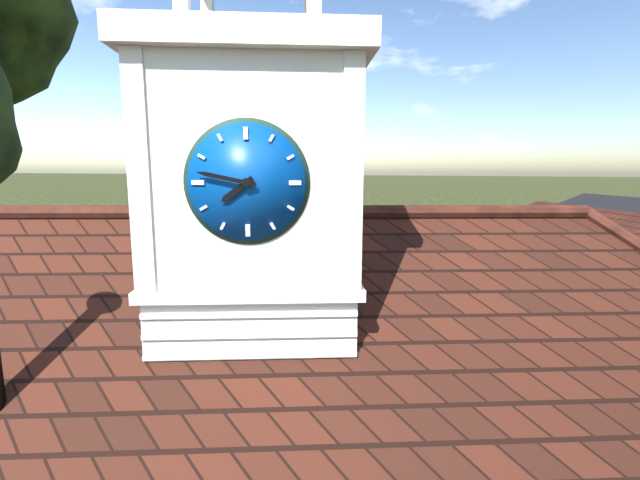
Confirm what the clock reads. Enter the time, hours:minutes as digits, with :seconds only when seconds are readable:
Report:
7:47
